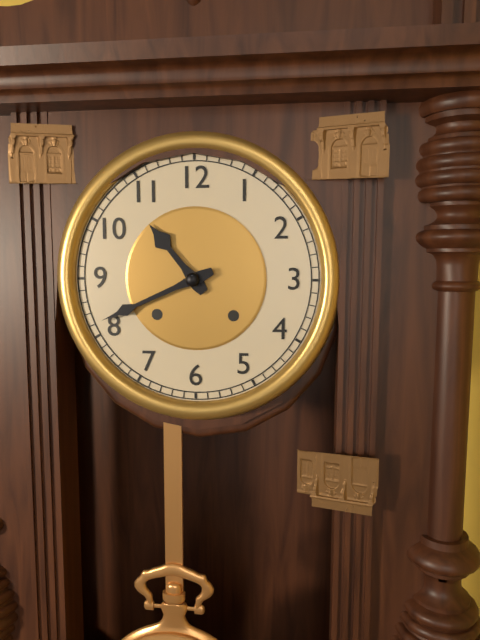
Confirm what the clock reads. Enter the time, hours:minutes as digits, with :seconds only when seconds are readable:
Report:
10:41
